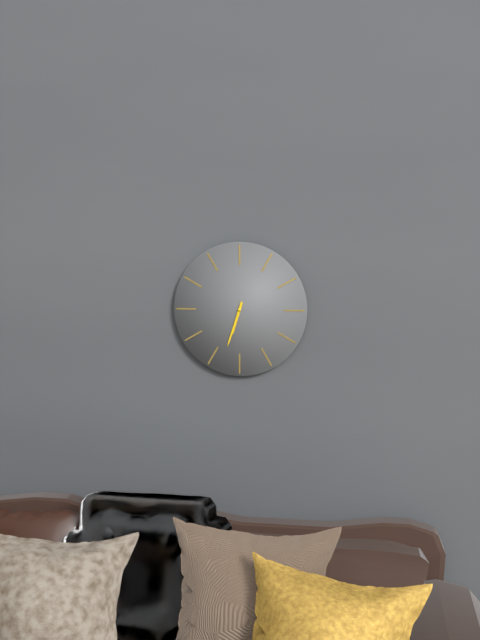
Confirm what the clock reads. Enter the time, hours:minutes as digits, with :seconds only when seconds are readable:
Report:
6:33
